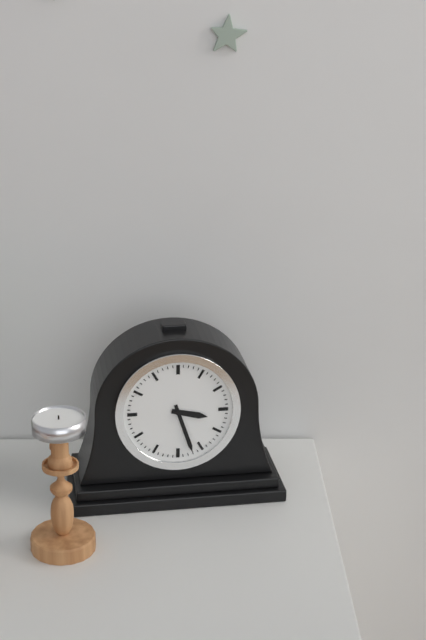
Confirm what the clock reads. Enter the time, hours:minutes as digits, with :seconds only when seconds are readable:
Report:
3:27
